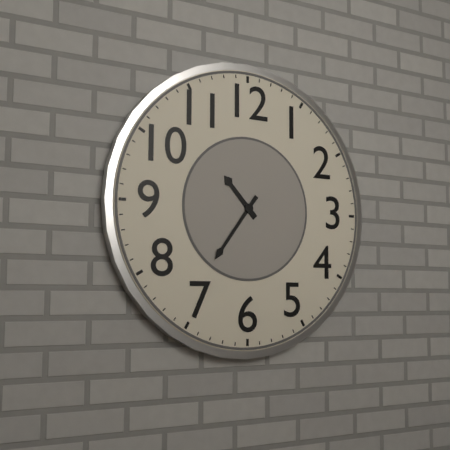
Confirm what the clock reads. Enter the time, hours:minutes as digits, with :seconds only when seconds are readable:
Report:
10:36
